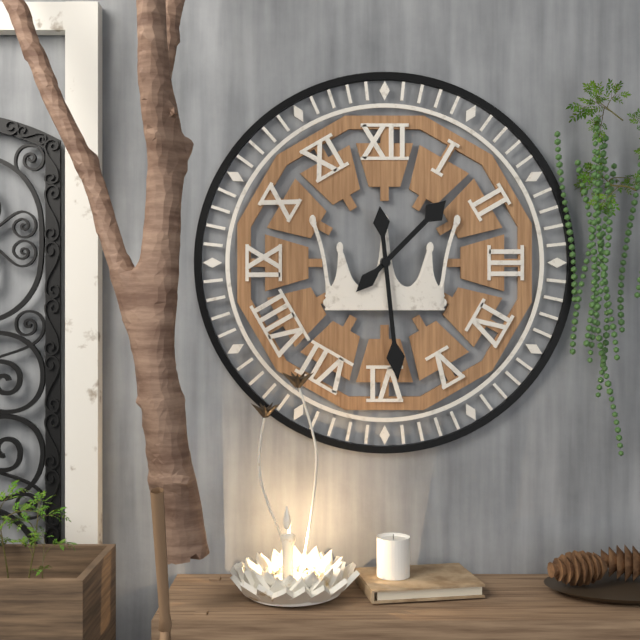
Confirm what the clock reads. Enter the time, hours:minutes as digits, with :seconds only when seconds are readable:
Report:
1:29
